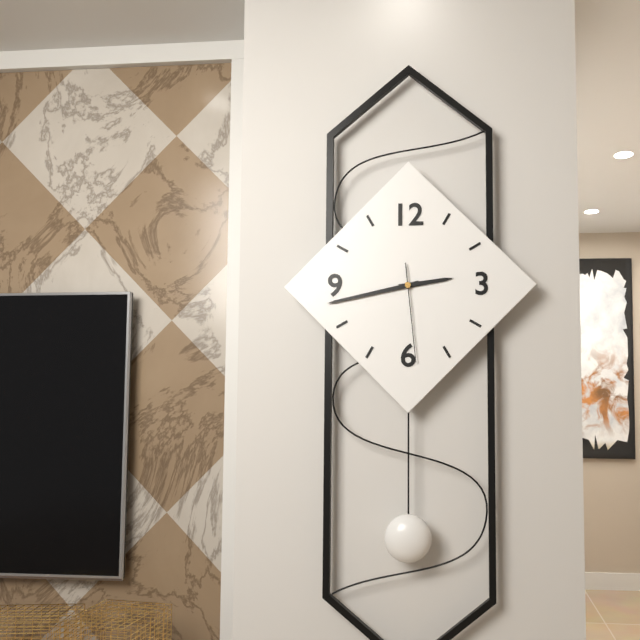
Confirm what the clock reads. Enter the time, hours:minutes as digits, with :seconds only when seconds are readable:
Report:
2:43:29
